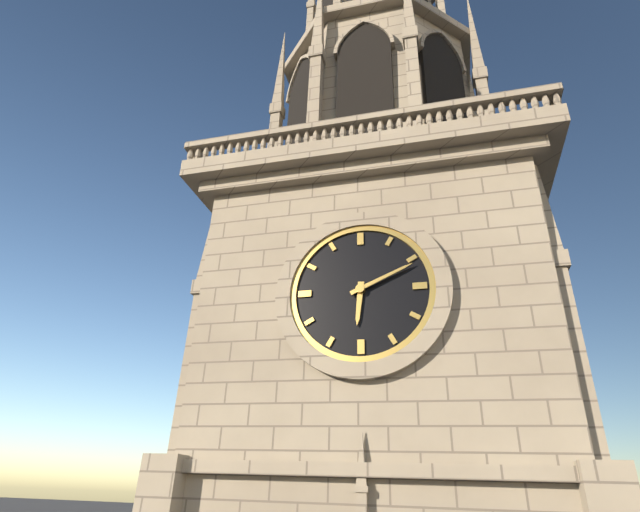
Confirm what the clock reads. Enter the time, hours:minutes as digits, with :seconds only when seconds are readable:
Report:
6:11
